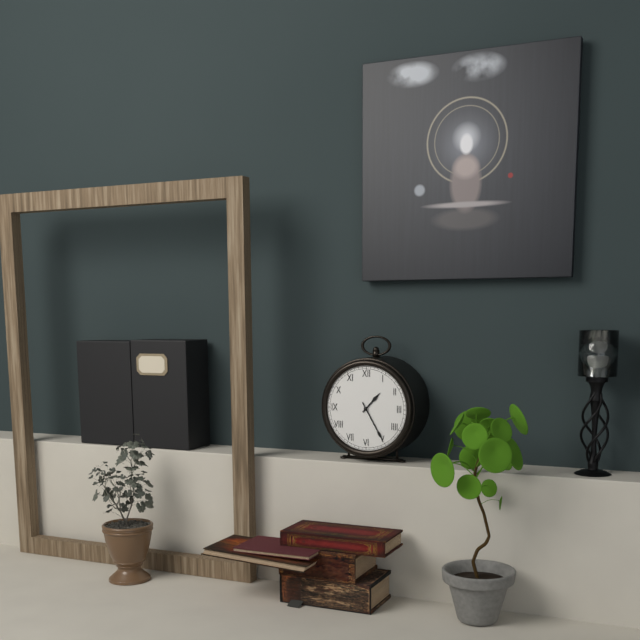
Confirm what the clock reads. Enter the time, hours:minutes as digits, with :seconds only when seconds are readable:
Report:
1:25
